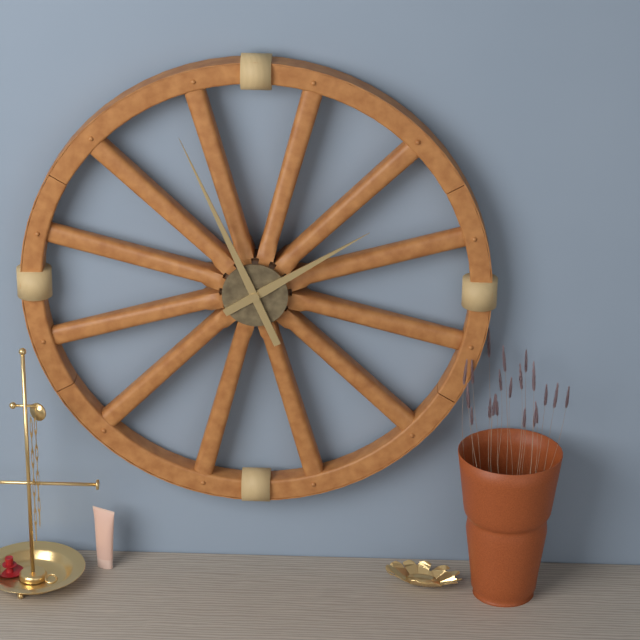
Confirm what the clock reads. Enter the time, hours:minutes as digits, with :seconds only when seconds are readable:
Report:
1:56
